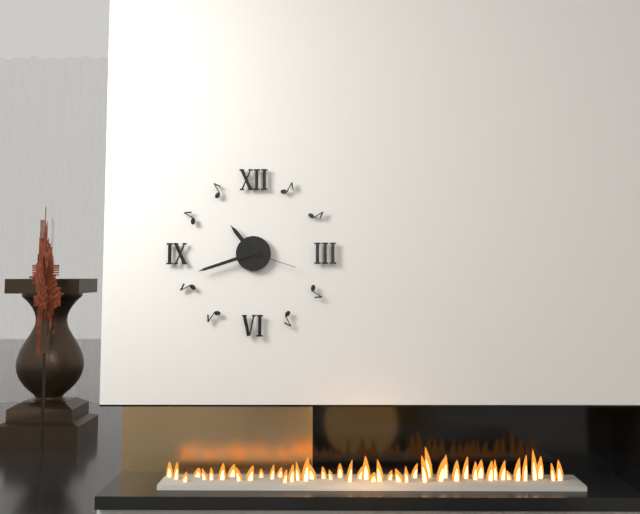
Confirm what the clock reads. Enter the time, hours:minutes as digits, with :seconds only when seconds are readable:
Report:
10:42:18
